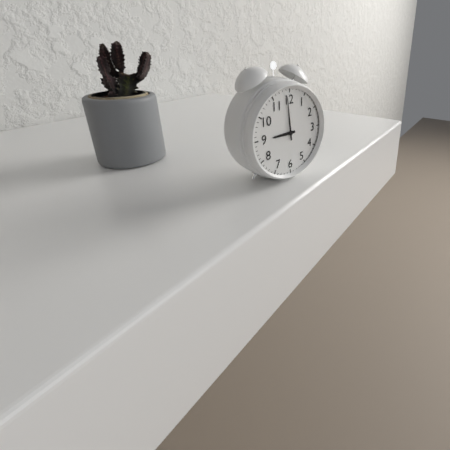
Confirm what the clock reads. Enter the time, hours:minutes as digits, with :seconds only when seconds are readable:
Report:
8:59
